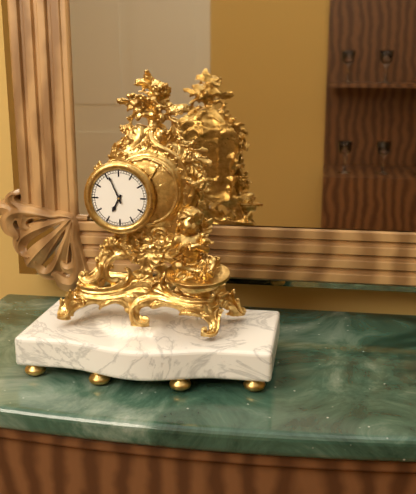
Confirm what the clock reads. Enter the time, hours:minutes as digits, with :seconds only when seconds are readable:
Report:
6:56
